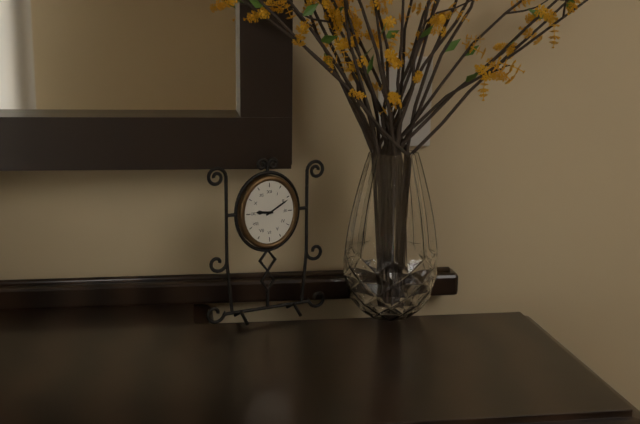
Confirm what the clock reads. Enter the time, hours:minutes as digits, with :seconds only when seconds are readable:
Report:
9:10
